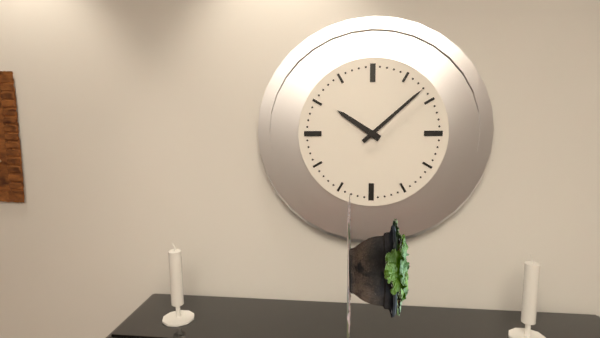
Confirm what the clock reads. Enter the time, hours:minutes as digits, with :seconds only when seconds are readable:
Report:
10:08
